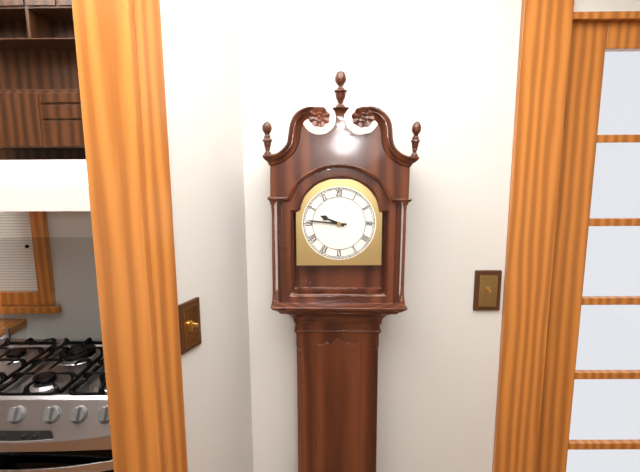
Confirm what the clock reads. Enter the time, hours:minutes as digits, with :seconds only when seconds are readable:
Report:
9:46
